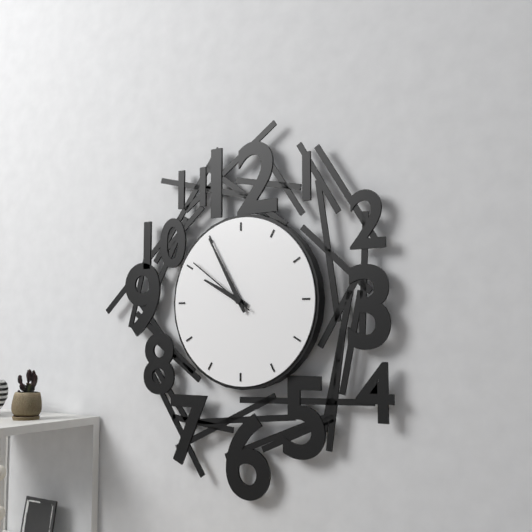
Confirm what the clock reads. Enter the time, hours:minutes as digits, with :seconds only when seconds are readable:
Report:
9:55:51
